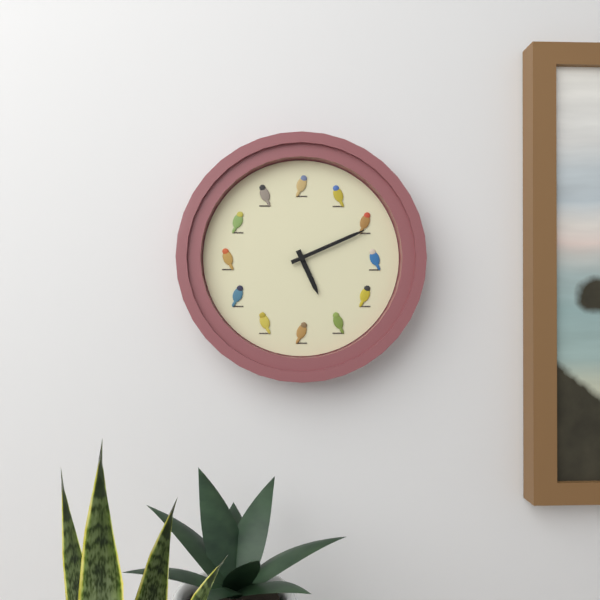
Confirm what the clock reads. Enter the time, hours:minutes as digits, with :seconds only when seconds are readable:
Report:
5:11
